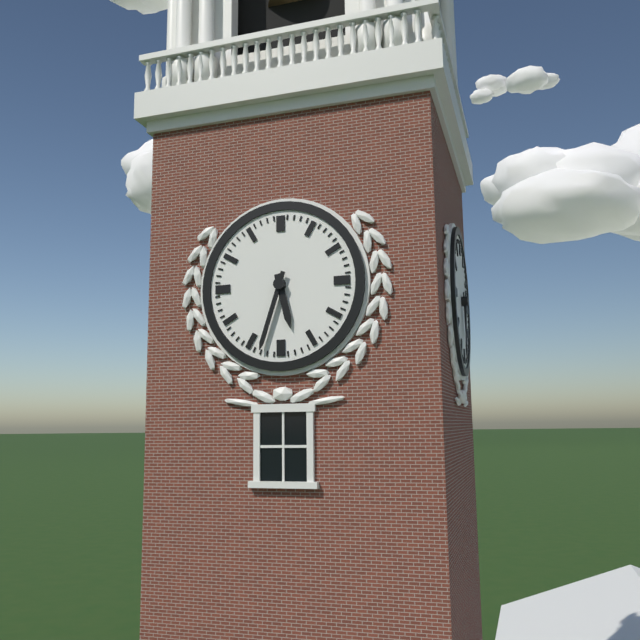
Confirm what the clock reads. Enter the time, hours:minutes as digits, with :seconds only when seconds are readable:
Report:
5:33
